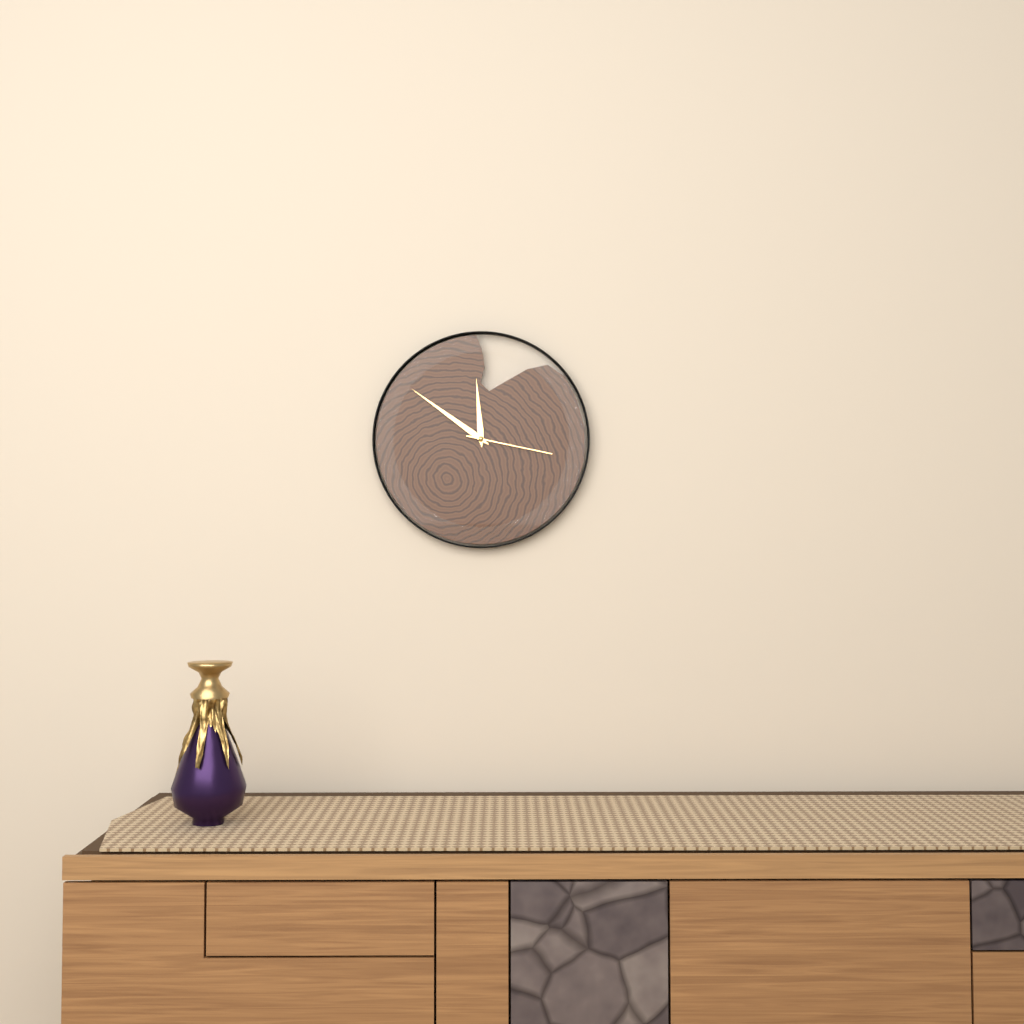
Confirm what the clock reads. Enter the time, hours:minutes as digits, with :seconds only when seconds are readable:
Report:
11:51:17
